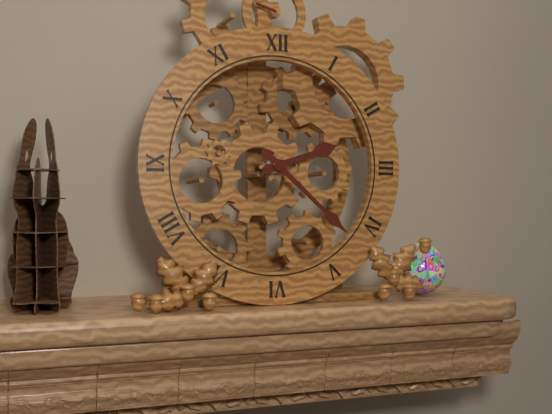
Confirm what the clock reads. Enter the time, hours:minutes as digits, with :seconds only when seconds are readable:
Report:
2:22
